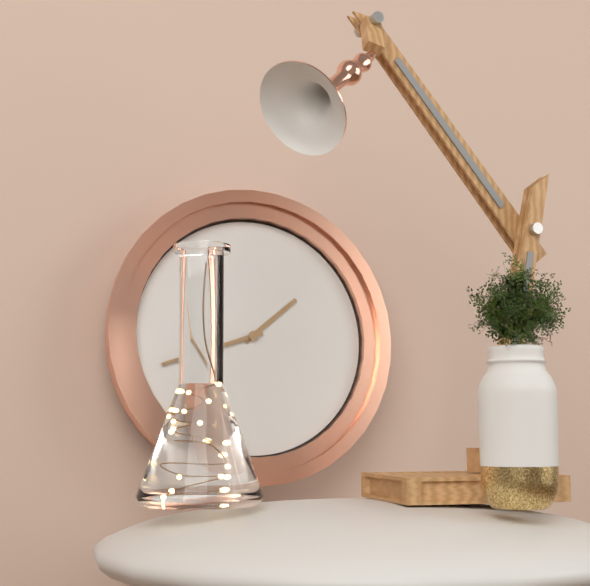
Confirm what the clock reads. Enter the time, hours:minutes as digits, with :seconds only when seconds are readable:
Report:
1:42
